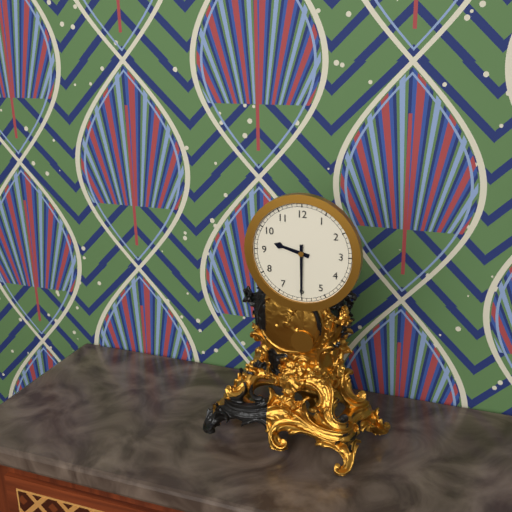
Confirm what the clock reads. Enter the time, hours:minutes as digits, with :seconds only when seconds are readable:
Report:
9:30
